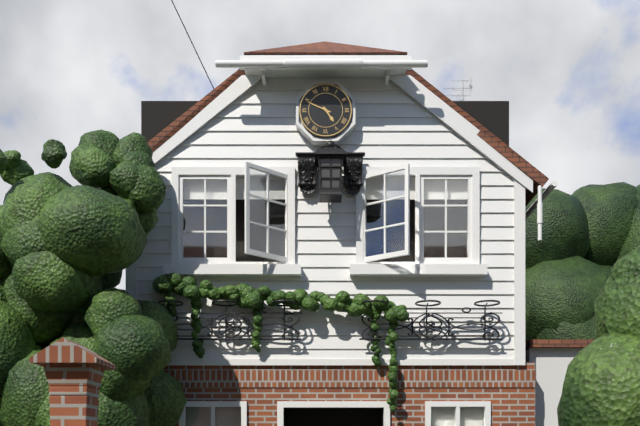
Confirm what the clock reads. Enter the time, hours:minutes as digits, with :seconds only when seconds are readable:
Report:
4:49
